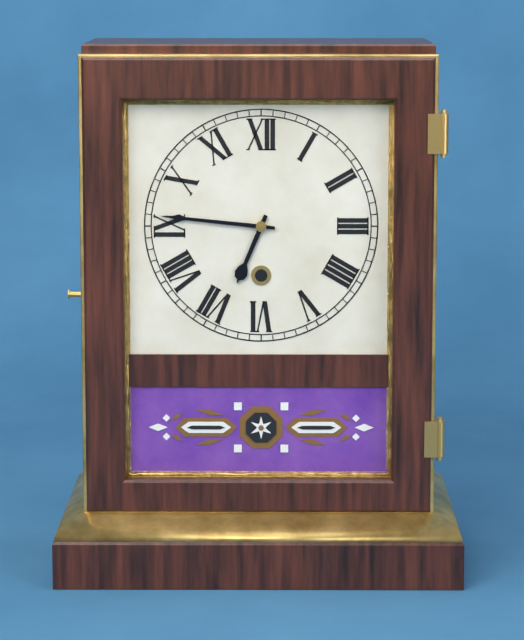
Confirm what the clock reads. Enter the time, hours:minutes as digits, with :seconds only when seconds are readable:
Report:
6:46
